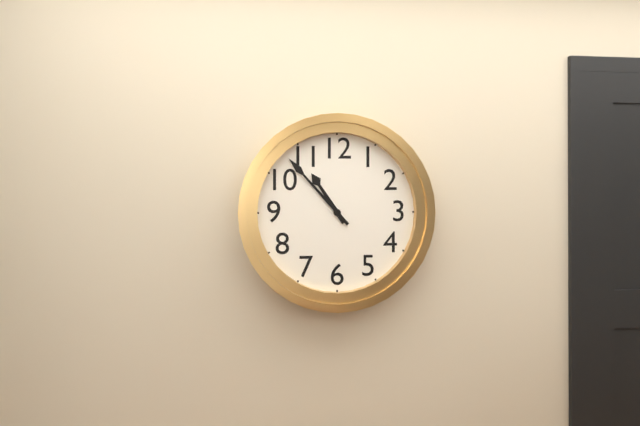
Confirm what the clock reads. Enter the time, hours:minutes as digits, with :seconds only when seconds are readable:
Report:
10:53
